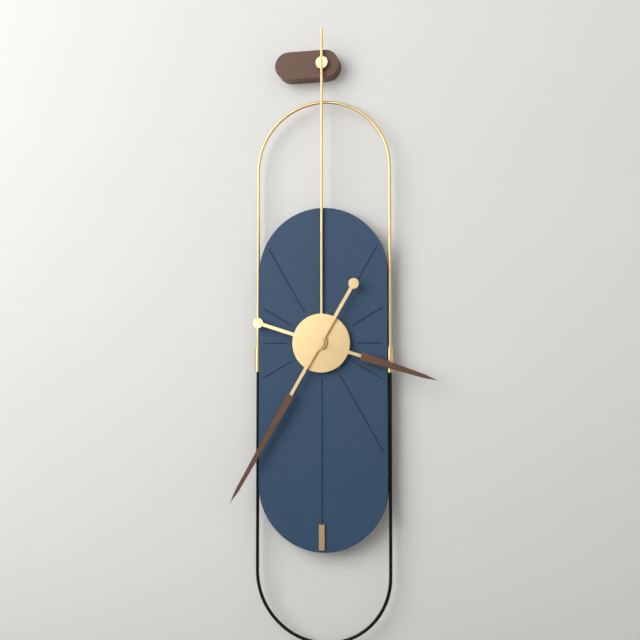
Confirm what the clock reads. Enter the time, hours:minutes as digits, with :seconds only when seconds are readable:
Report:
3:35
